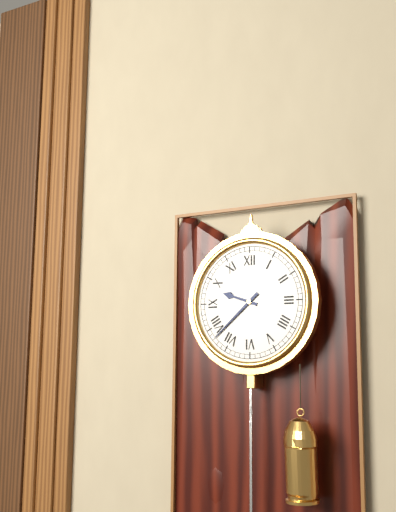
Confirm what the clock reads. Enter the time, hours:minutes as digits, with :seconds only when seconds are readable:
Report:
9:38
